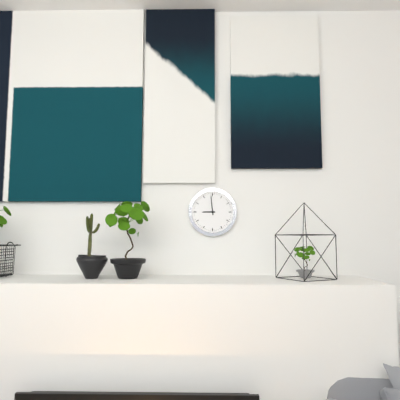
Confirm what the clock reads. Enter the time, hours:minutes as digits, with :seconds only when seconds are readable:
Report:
8:59
